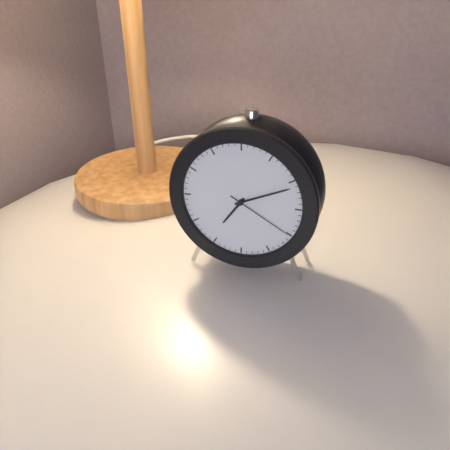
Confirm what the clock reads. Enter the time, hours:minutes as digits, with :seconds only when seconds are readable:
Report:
7:11:20
